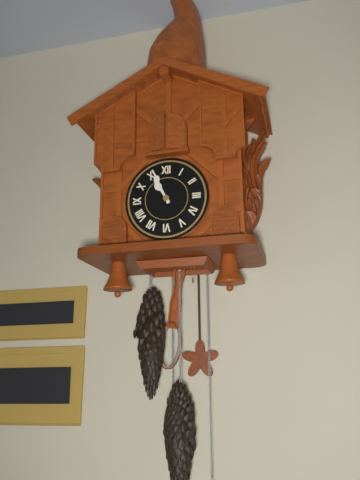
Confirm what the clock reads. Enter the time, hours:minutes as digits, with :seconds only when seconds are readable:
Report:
10:56
